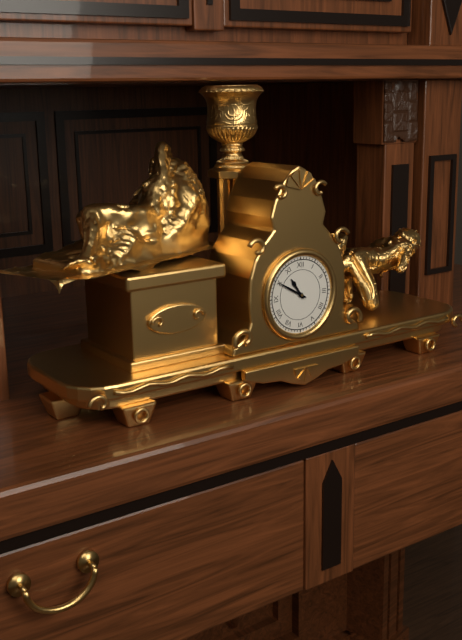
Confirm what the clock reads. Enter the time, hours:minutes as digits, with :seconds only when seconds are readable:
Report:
10:50
